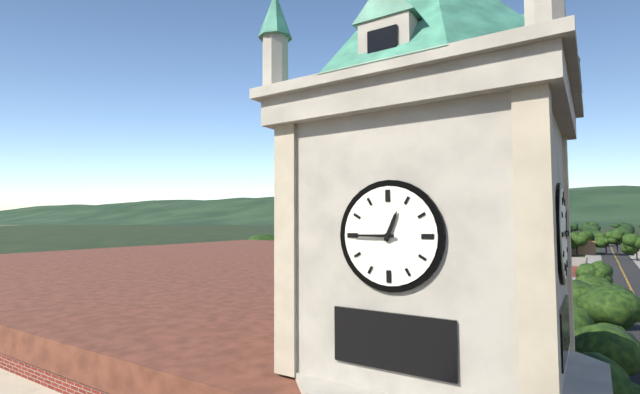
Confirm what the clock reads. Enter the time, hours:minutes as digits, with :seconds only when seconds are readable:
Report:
12:45
